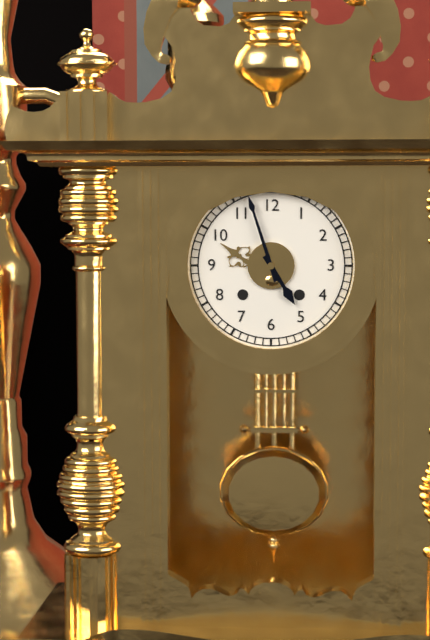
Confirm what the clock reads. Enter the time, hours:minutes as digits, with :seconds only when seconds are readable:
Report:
4:57
